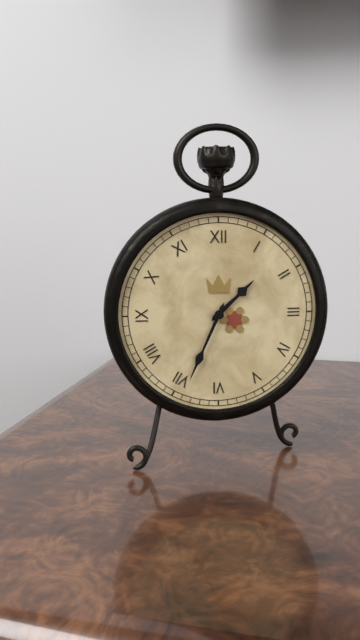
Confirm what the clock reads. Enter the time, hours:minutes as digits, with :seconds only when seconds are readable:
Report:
1:34
